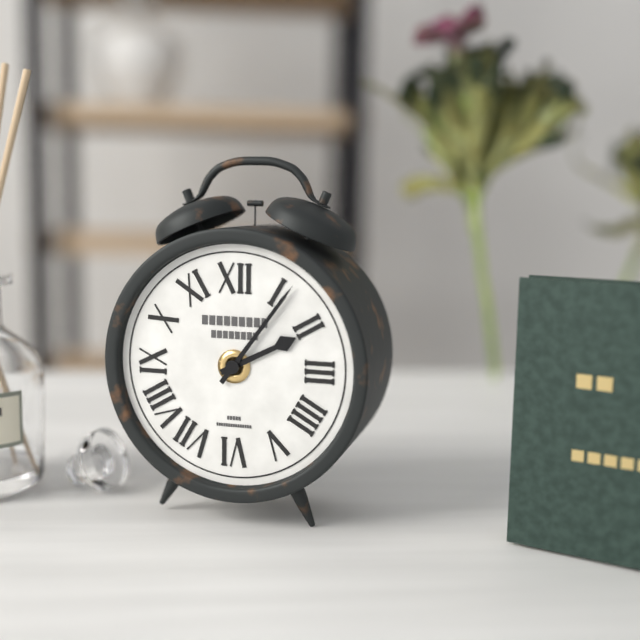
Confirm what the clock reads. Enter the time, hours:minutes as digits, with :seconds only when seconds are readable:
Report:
2:06
